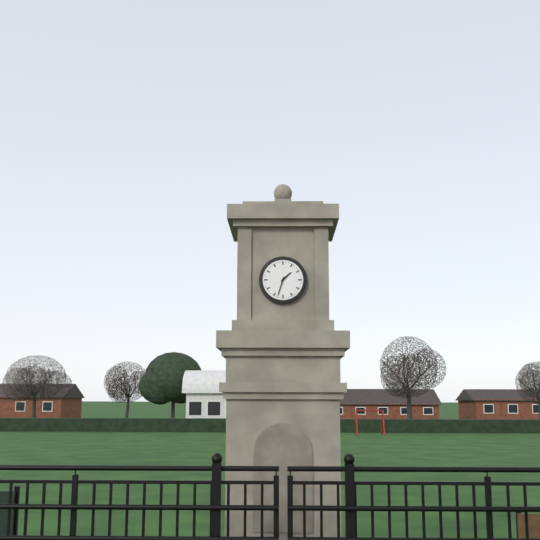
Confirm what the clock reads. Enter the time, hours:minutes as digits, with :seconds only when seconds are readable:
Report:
1:33
